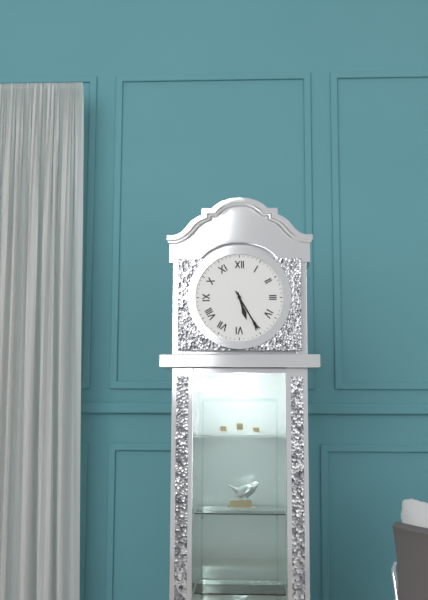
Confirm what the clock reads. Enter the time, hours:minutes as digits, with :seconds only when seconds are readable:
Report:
5:25
